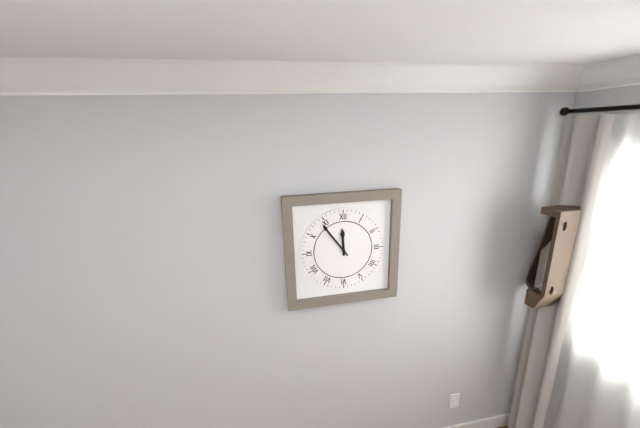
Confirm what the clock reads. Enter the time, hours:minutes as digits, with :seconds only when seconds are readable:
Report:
11:54
